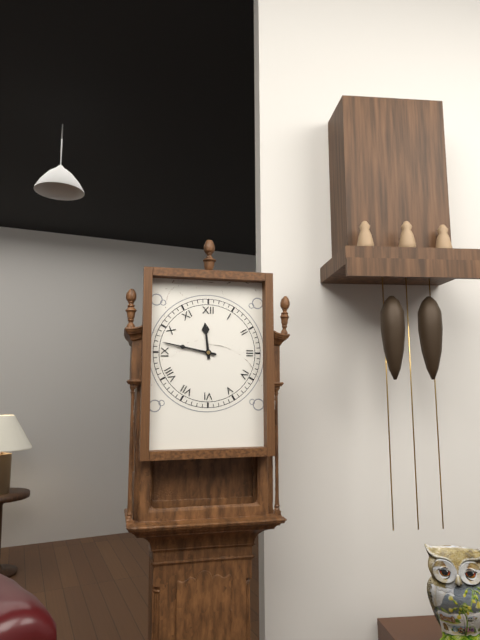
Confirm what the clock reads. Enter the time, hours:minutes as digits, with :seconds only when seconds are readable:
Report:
11:47
